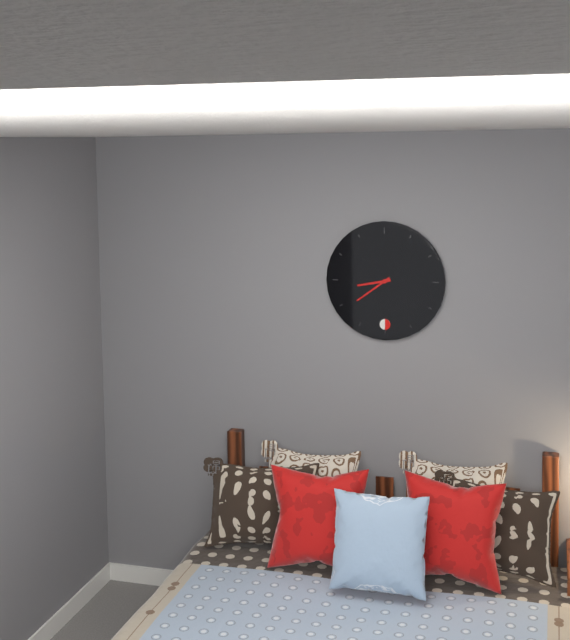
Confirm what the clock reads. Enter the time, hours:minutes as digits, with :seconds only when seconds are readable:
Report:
8:39
